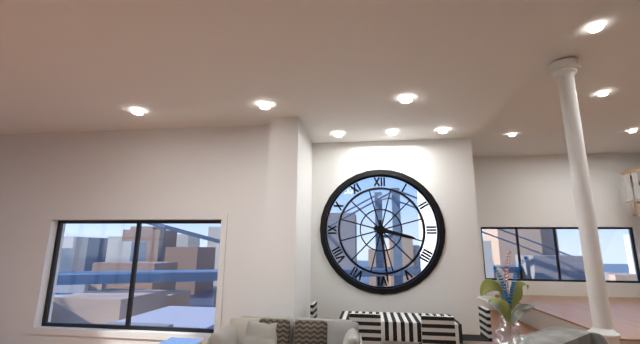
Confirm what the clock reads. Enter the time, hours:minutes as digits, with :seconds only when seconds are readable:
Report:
3:29
